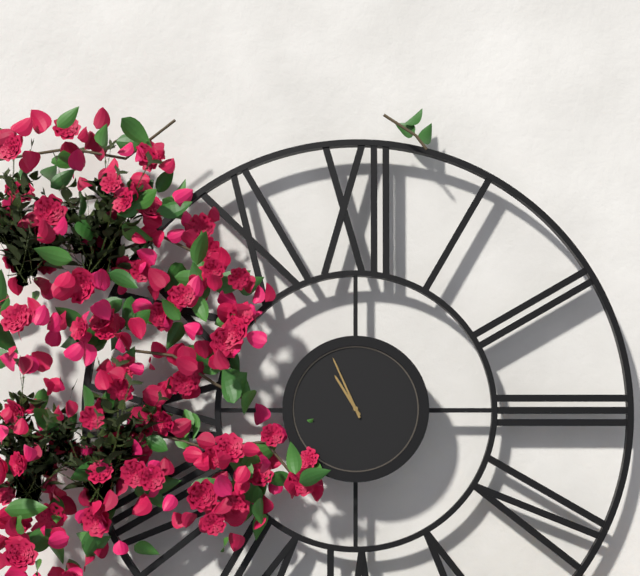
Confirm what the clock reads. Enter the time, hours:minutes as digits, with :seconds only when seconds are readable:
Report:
10:56
